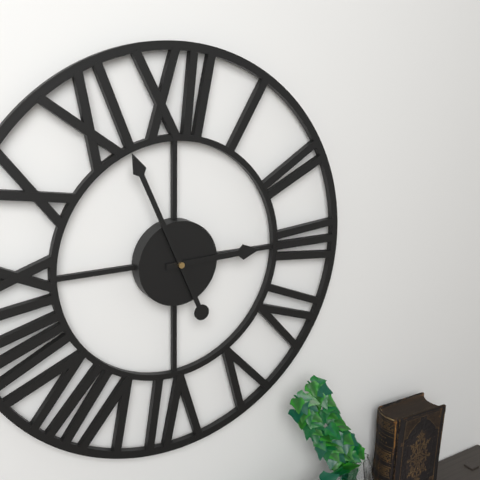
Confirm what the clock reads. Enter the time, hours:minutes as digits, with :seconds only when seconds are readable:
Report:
2:56
